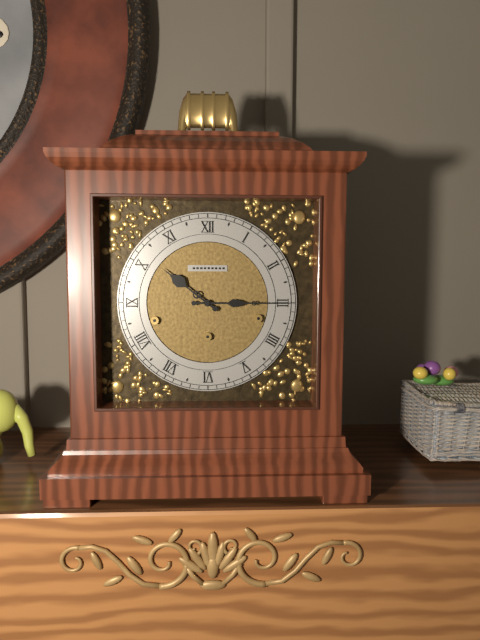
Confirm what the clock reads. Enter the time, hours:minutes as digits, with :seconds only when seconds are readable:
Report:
10:15
